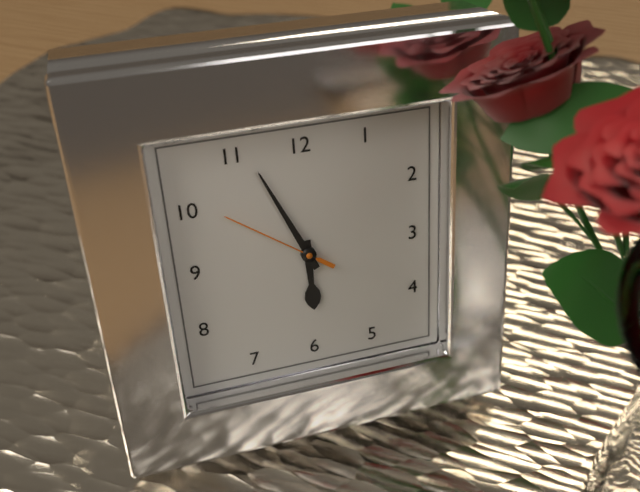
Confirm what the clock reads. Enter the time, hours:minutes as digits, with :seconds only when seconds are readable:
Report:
5:56:51
